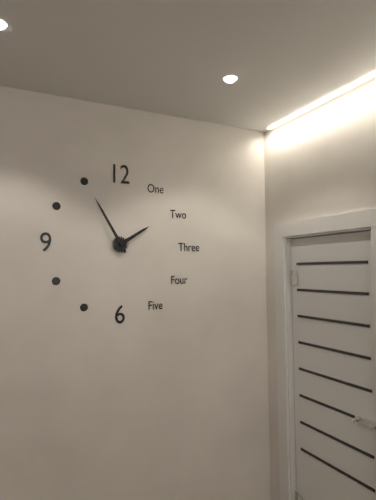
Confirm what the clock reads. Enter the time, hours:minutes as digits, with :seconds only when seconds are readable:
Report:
1:55
